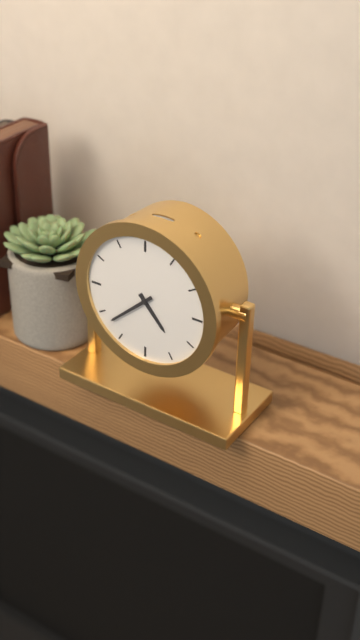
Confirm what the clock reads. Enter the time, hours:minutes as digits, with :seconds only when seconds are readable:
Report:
4:38
